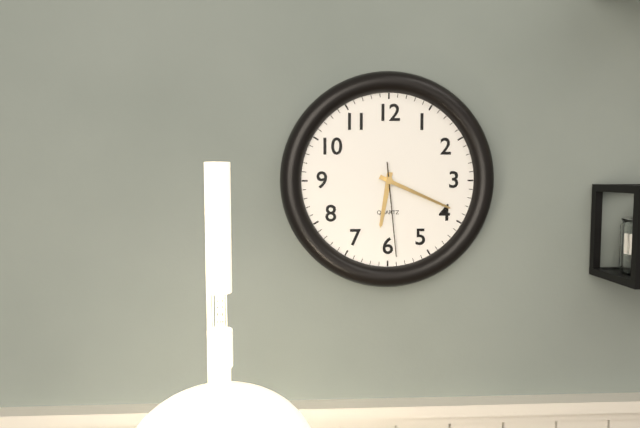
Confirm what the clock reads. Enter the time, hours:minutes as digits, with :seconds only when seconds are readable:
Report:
6:19:29
